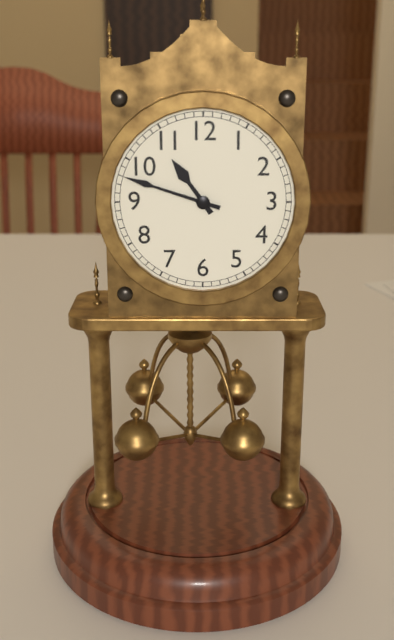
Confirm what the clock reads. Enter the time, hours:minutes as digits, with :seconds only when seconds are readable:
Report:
10:48
